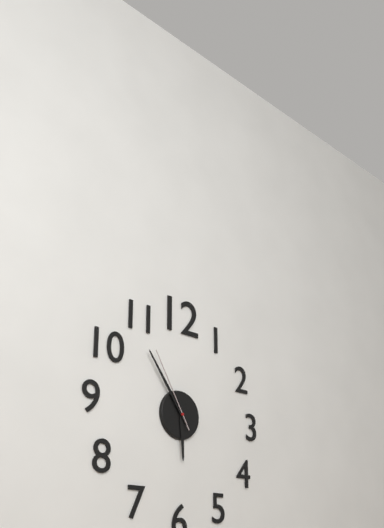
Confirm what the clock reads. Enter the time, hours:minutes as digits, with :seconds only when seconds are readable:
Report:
5:54:55
